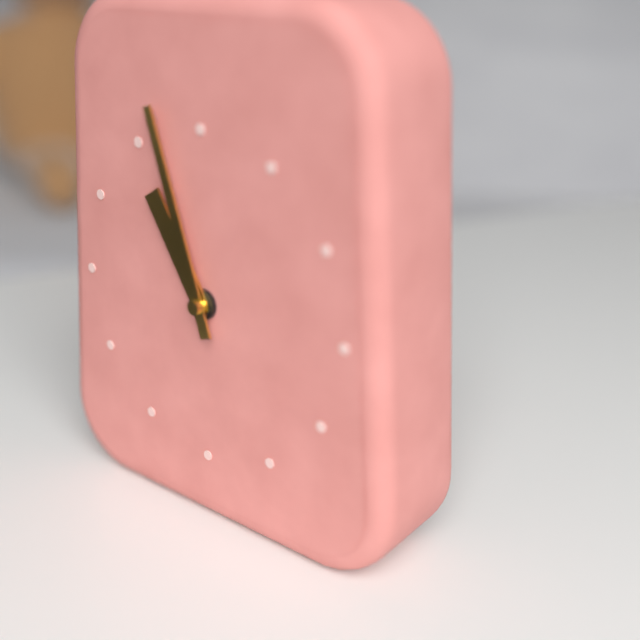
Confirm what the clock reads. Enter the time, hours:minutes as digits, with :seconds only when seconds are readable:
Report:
10:57
